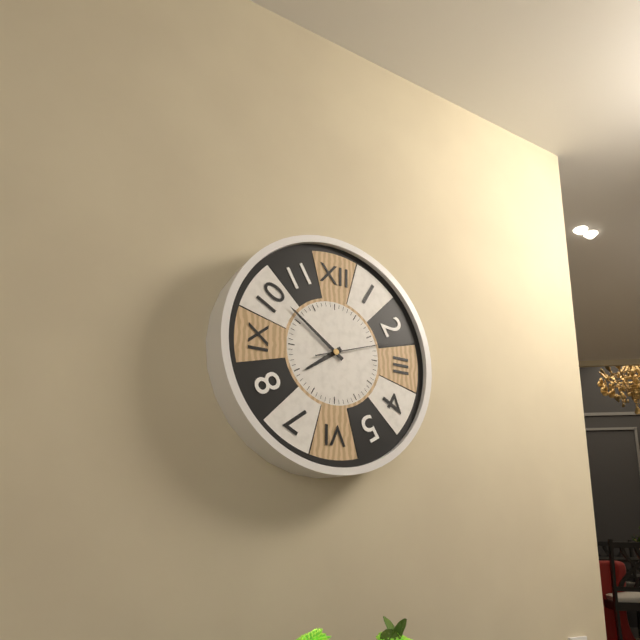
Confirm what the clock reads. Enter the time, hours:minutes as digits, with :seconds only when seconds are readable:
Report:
7:51:12
